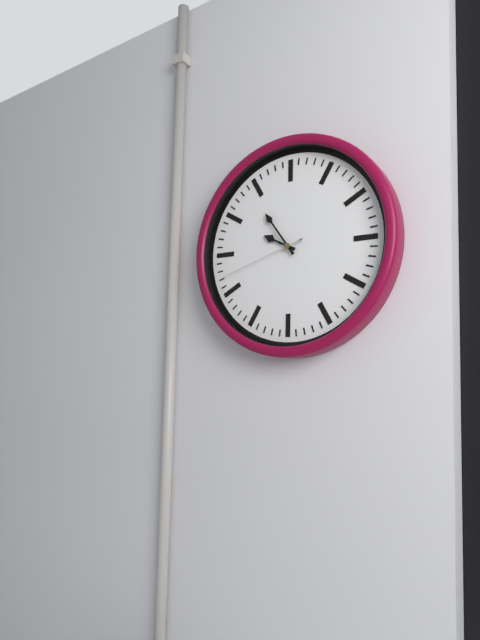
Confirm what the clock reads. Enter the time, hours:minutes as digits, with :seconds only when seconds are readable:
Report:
9:54:42
